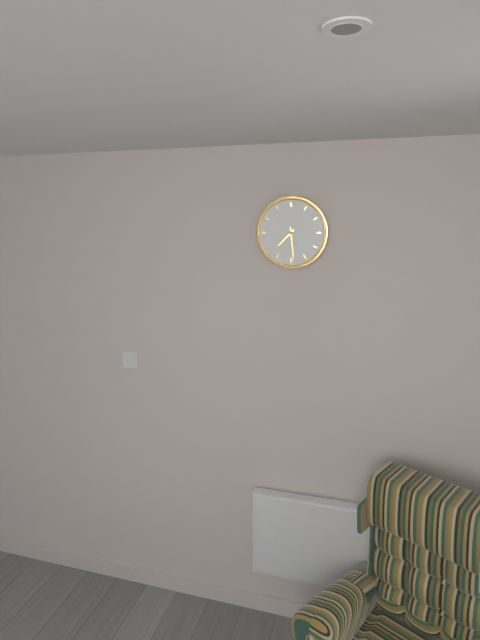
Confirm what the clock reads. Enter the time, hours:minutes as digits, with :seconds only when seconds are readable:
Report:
7:29
